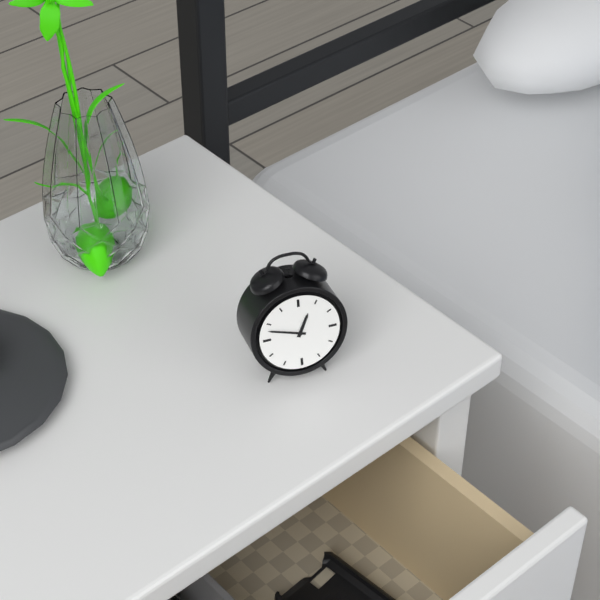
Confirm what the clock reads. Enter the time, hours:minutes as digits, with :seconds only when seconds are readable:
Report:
12:48
